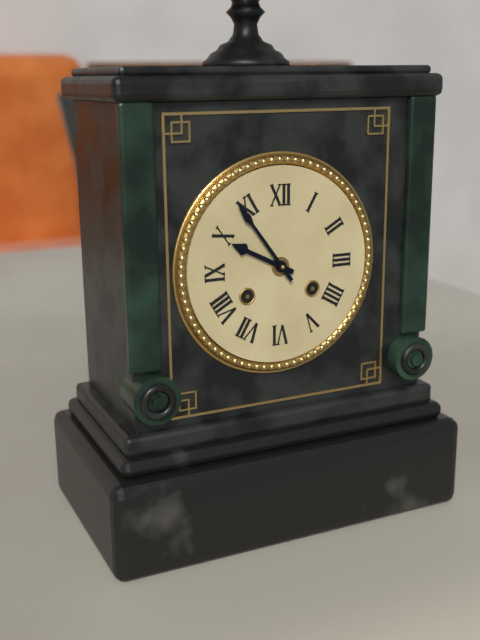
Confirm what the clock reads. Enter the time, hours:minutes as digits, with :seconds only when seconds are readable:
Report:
9:54
